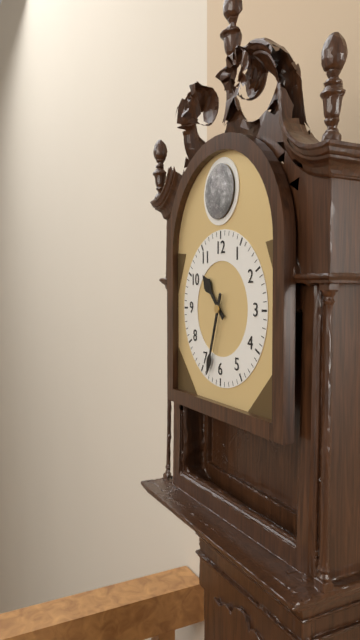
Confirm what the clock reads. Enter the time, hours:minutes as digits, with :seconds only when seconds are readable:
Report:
10:33
